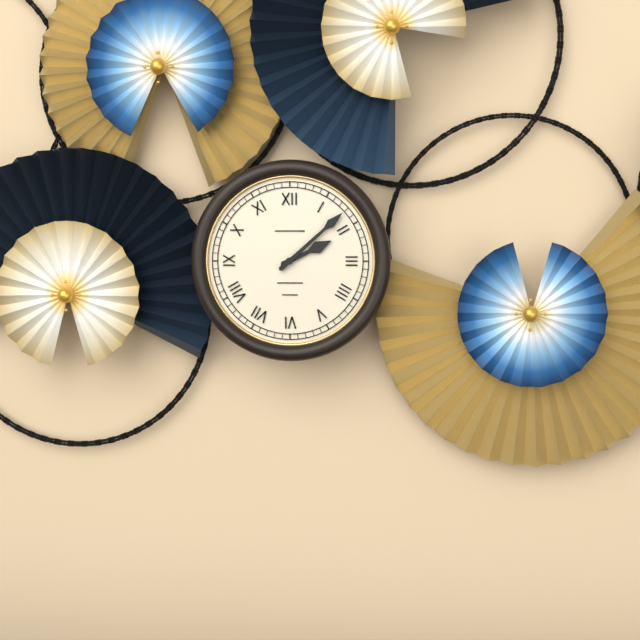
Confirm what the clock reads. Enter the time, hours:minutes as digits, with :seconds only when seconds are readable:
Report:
2:08
